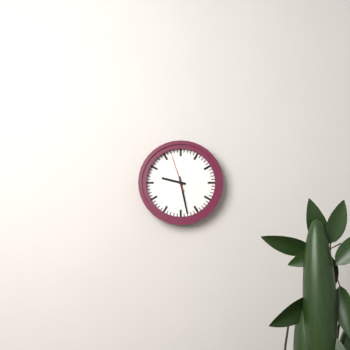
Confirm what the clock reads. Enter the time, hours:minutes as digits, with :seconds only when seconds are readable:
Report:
9:28
